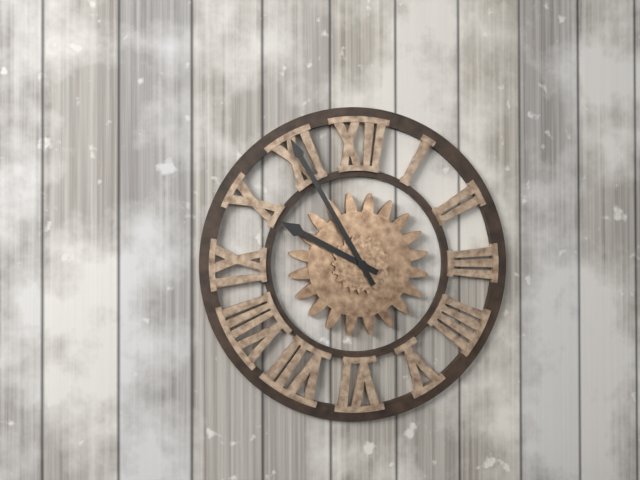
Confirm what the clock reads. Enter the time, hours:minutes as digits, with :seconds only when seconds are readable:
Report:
9:55
